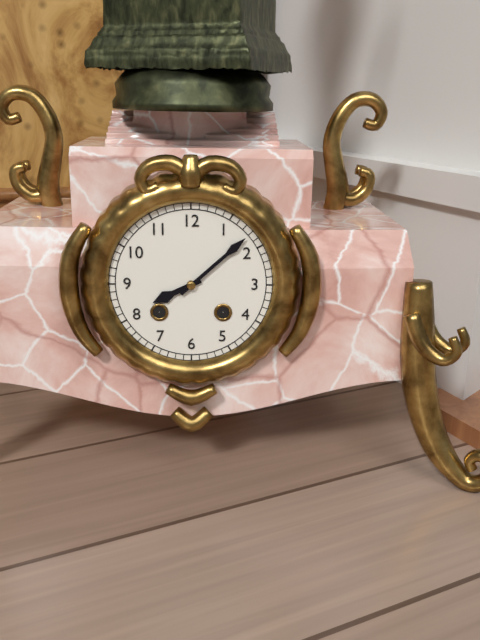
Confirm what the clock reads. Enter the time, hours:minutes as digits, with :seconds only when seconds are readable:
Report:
8:08
